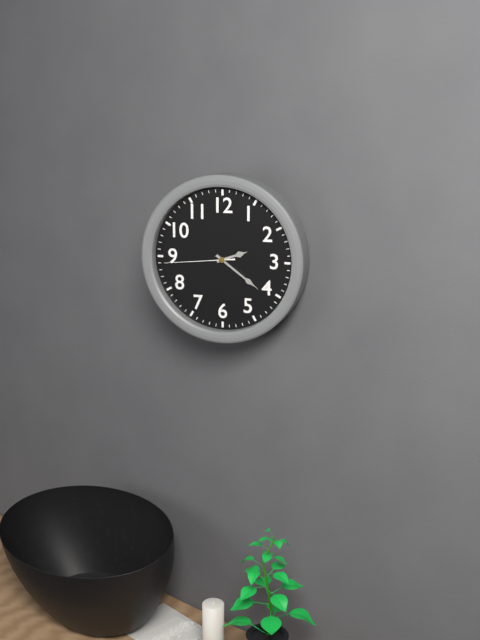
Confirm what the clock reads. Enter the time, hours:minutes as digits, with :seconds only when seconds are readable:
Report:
2:21:44
